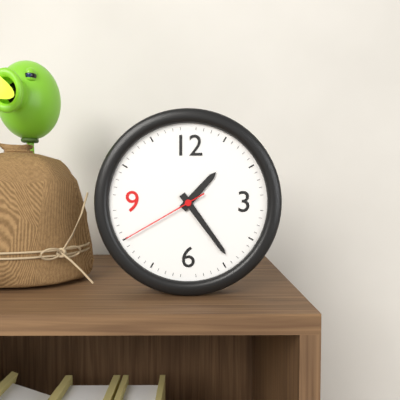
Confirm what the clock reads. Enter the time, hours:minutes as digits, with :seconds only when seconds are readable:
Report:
1:24:40
